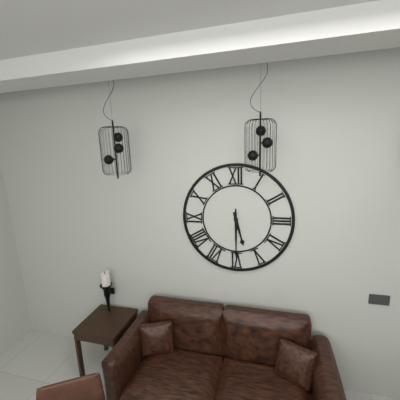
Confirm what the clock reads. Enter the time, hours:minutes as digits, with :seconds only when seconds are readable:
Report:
5:30
